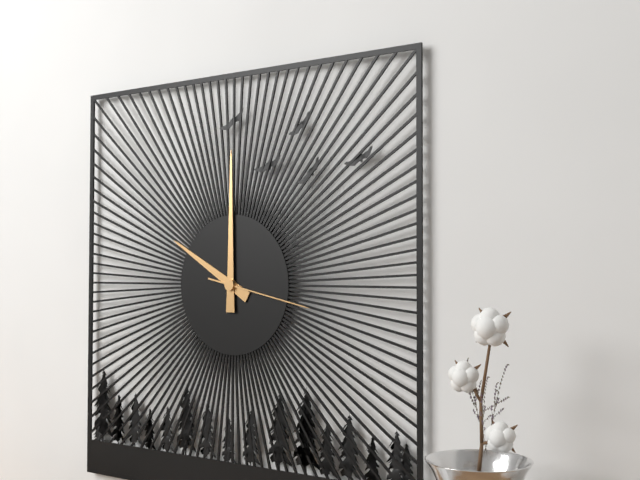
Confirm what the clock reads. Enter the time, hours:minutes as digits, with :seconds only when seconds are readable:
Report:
10:00:17
